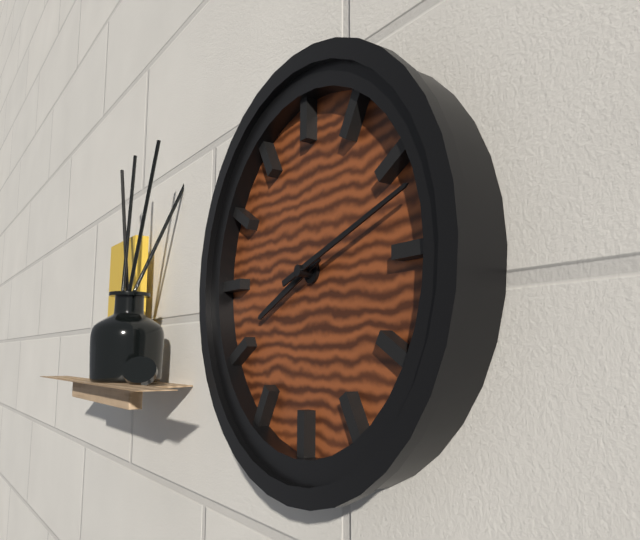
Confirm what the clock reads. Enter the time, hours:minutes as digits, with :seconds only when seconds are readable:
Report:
8:12
